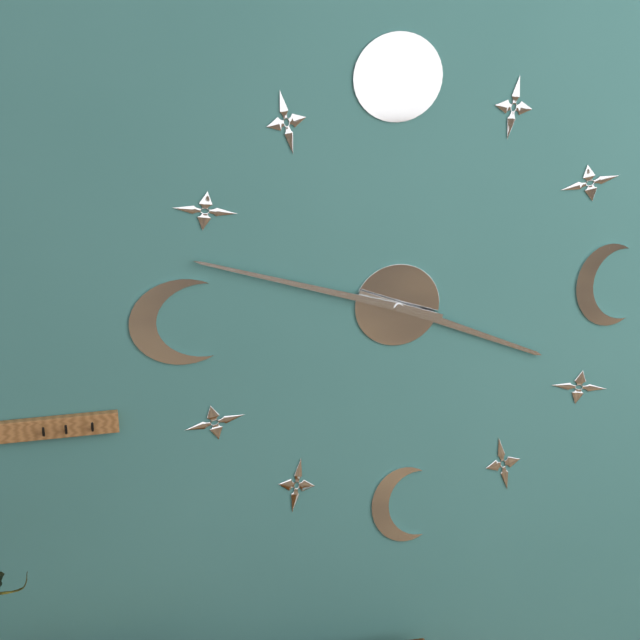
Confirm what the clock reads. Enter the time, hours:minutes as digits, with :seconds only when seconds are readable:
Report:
3:48
